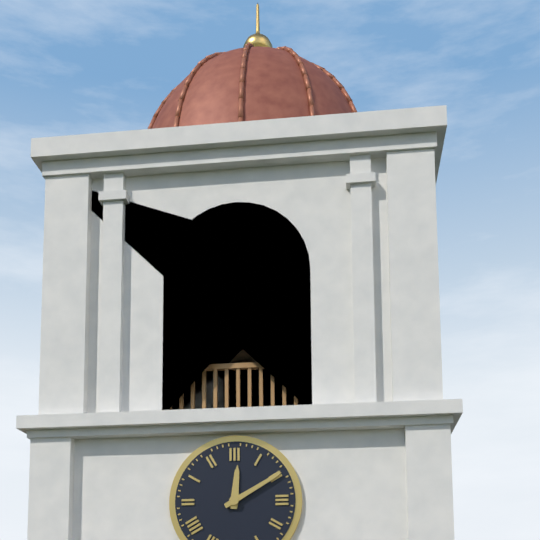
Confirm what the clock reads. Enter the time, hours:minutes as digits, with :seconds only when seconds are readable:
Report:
12:10
